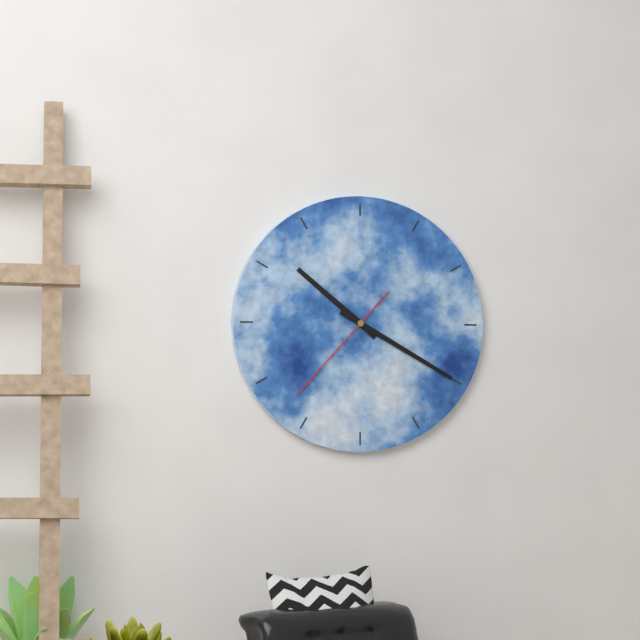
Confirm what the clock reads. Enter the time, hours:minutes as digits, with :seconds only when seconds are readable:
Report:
10:20:37
